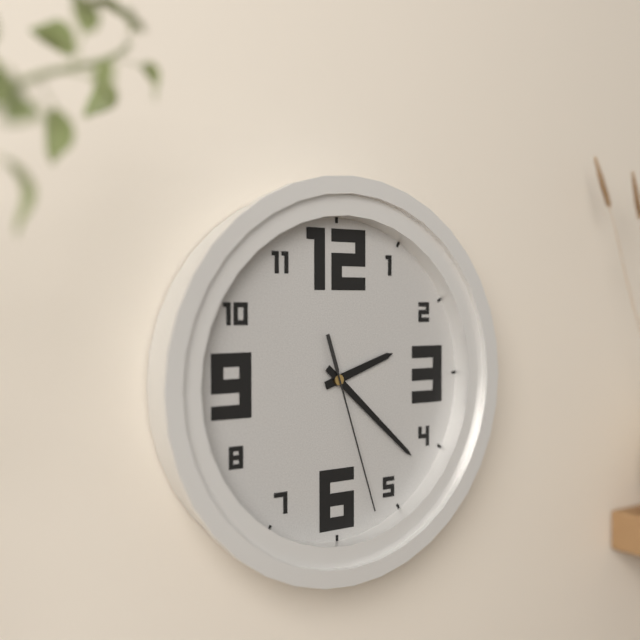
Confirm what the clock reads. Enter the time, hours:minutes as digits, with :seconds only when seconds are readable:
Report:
2:22:27
